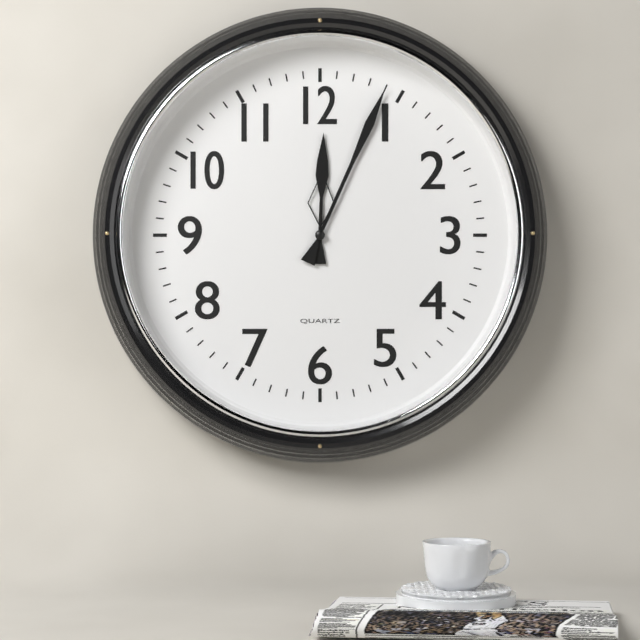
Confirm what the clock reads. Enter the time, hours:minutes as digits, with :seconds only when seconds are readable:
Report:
12:04
